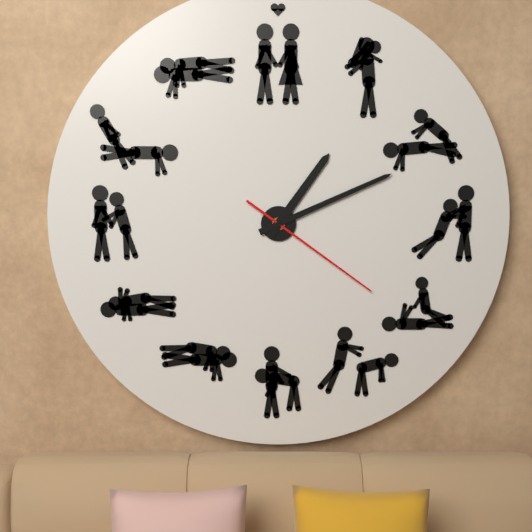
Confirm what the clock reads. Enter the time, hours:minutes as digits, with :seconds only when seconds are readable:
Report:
1:11:21
